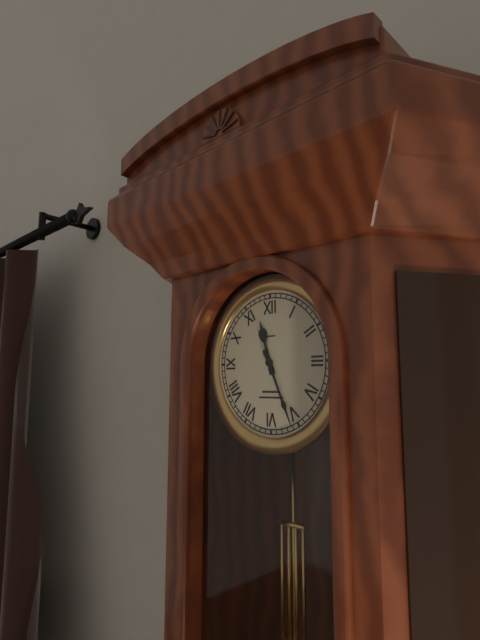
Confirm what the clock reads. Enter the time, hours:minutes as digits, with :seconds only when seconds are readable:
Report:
11:26
